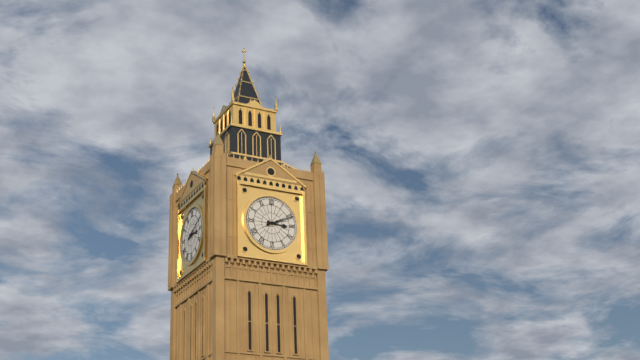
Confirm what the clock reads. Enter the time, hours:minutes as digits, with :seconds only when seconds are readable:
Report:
3:11
